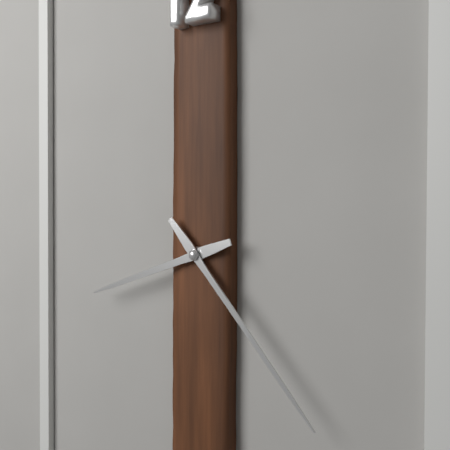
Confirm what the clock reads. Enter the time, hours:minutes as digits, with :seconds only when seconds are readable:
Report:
8:23
